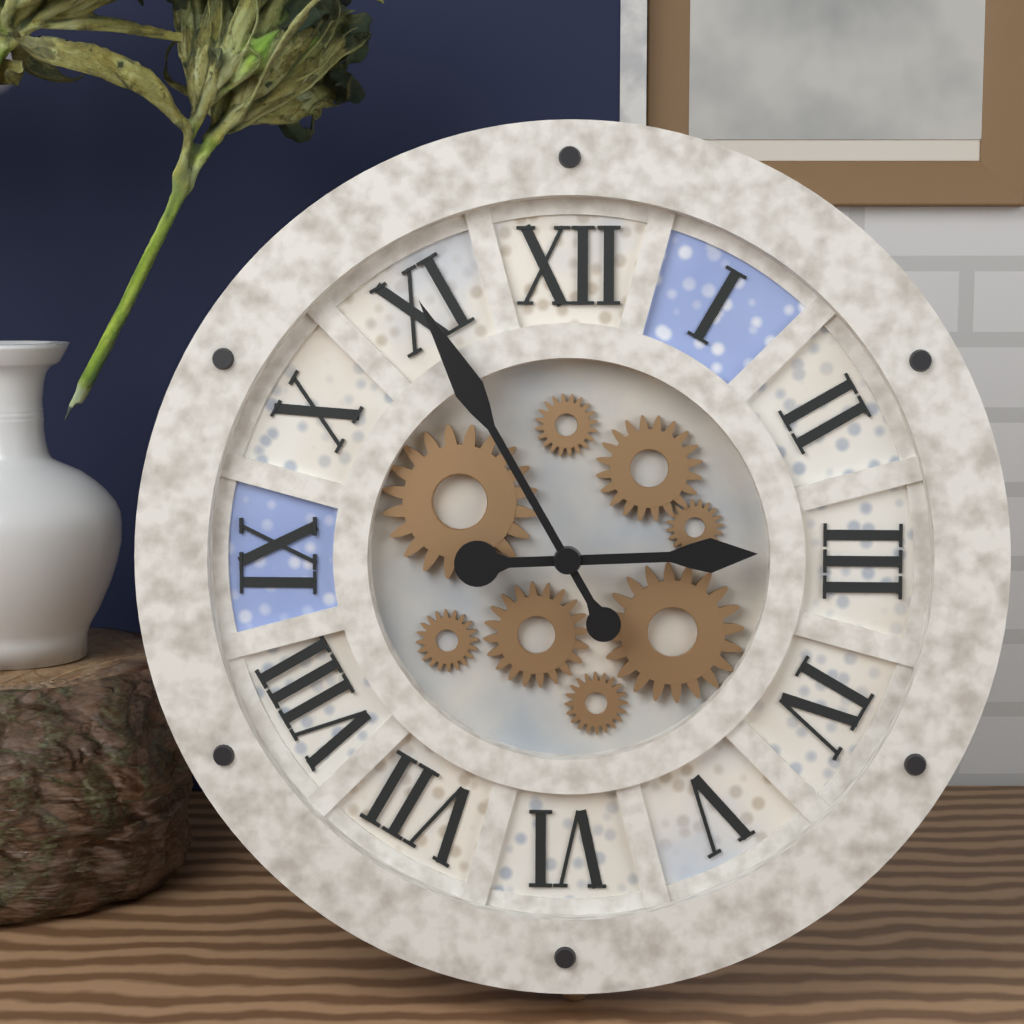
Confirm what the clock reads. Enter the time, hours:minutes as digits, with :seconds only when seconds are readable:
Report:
2:55
